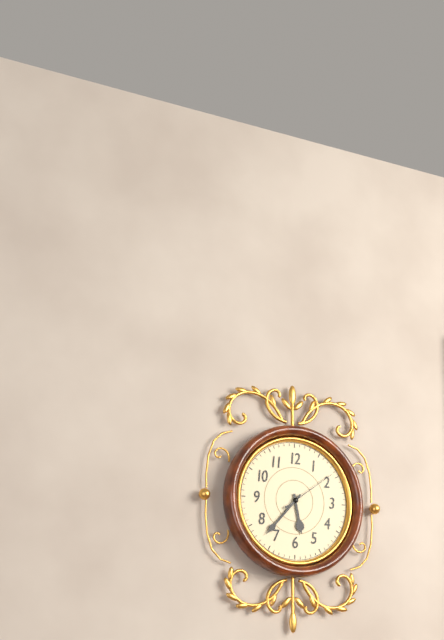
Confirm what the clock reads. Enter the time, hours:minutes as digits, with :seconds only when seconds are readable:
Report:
5:37:09
